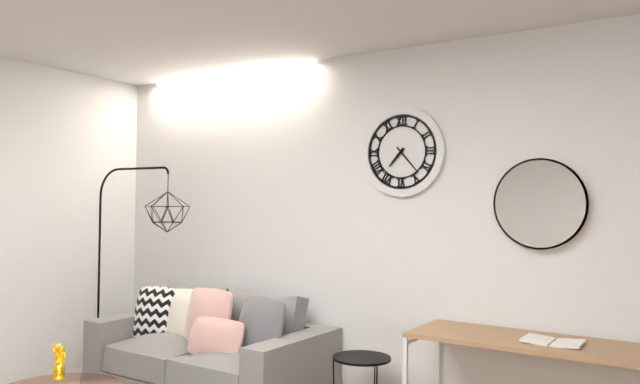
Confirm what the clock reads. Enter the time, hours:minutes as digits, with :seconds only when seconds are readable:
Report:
7:23
